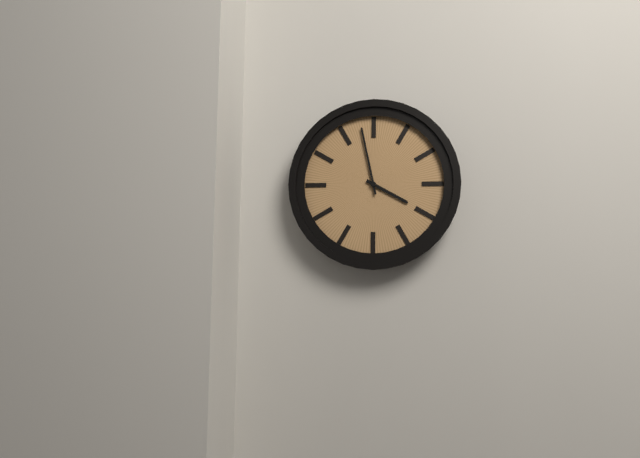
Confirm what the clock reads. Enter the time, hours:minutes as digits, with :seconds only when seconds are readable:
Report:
3:58
